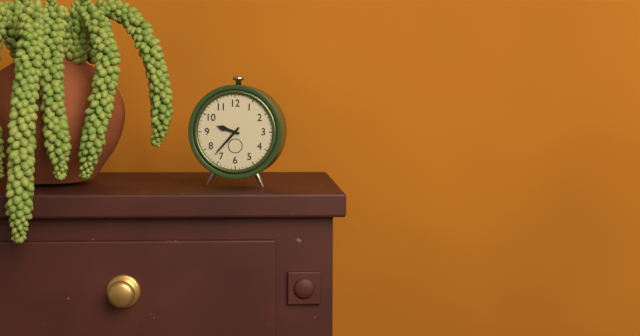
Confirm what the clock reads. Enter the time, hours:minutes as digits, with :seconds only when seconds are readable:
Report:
9:37
